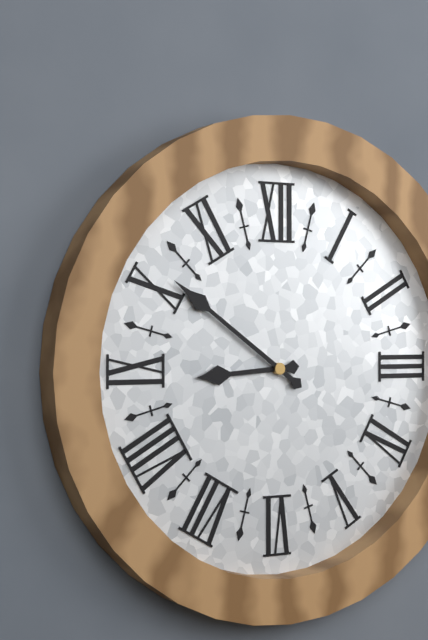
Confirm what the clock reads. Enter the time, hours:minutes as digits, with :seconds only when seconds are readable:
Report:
8:51
